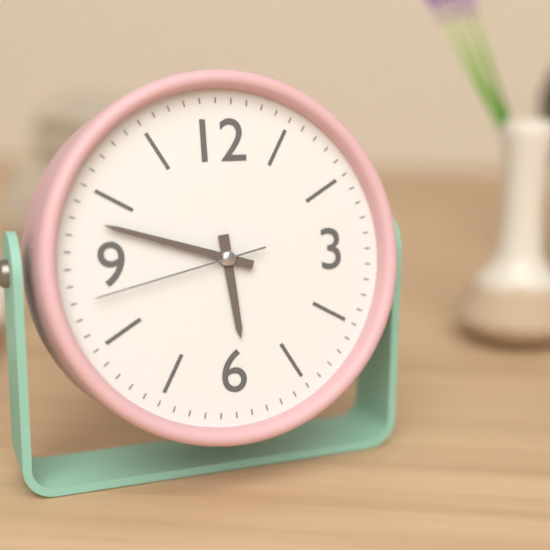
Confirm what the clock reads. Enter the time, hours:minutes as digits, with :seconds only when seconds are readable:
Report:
5:48:43
